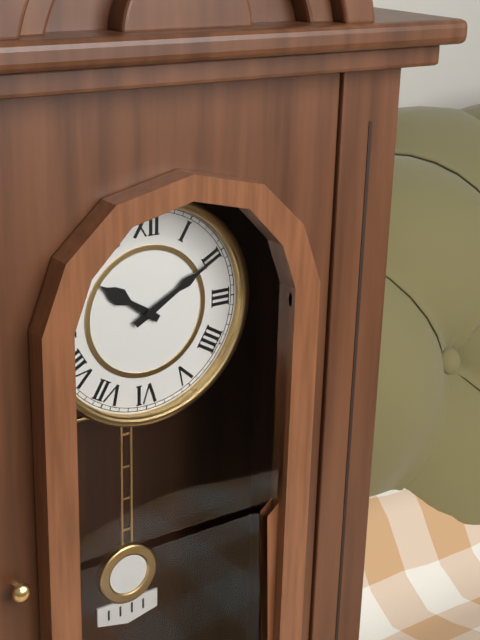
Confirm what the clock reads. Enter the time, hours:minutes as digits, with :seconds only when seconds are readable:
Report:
10:10
